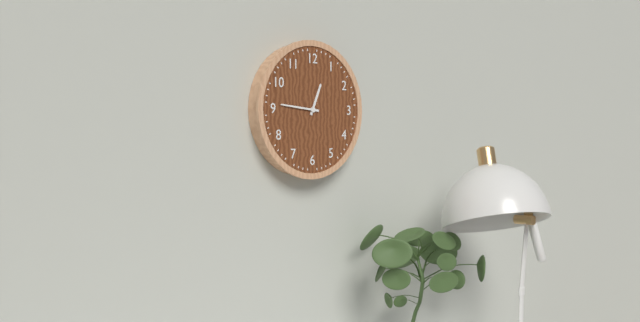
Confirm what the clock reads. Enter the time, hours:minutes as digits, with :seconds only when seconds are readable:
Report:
12:46
